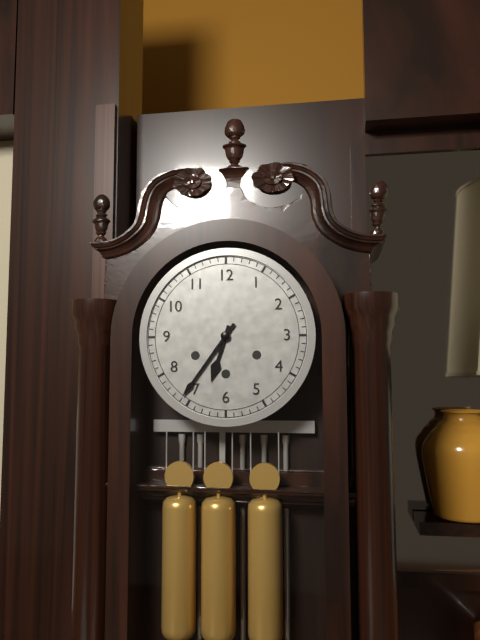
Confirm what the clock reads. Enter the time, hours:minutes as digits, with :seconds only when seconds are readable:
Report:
6:36
